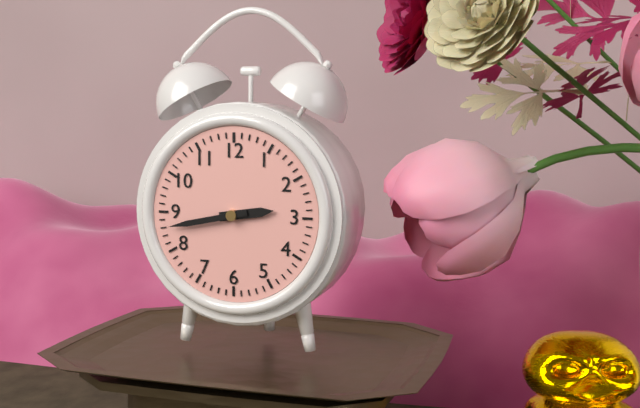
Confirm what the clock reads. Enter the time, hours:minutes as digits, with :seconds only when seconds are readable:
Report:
2:43
